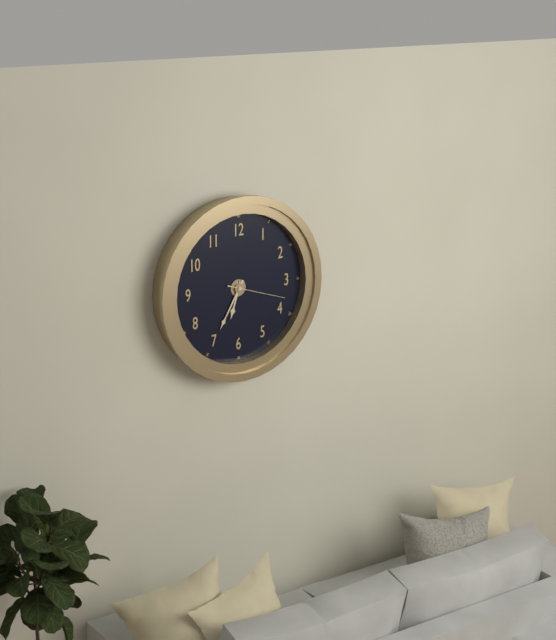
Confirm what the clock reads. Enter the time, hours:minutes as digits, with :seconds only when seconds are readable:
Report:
6:35:18
